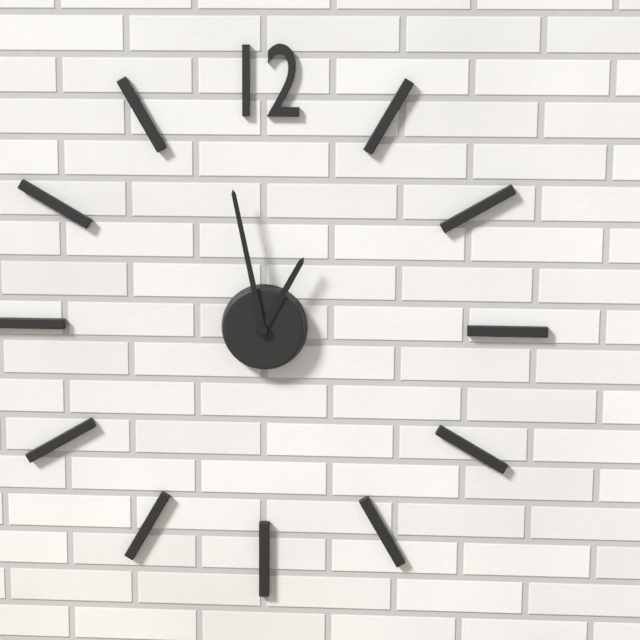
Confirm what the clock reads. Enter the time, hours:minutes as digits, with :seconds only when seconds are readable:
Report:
12:58
